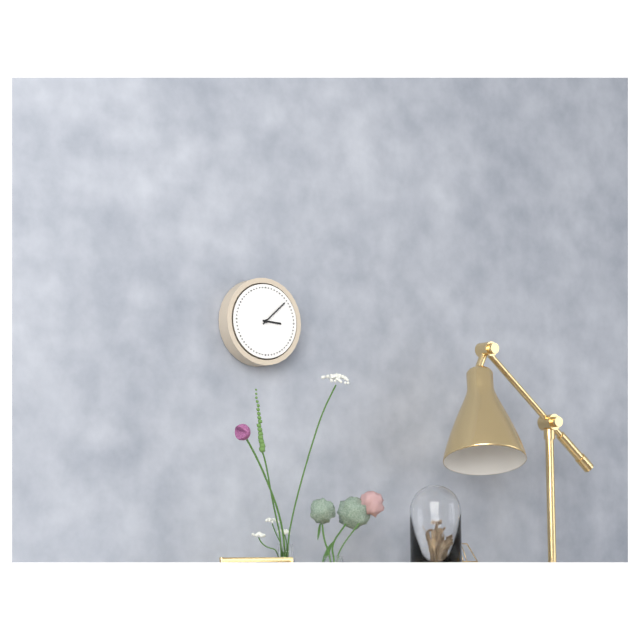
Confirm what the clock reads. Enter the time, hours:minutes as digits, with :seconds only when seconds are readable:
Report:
3:08
